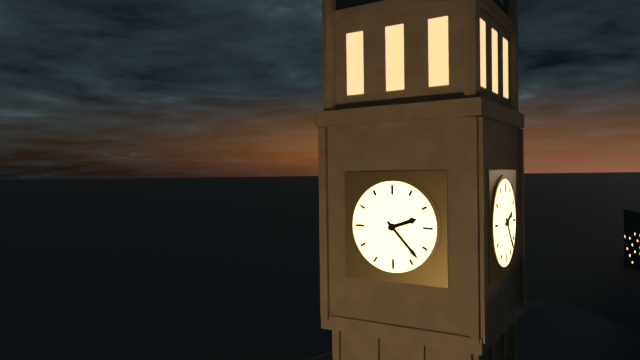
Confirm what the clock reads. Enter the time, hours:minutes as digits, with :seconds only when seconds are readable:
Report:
2:23
